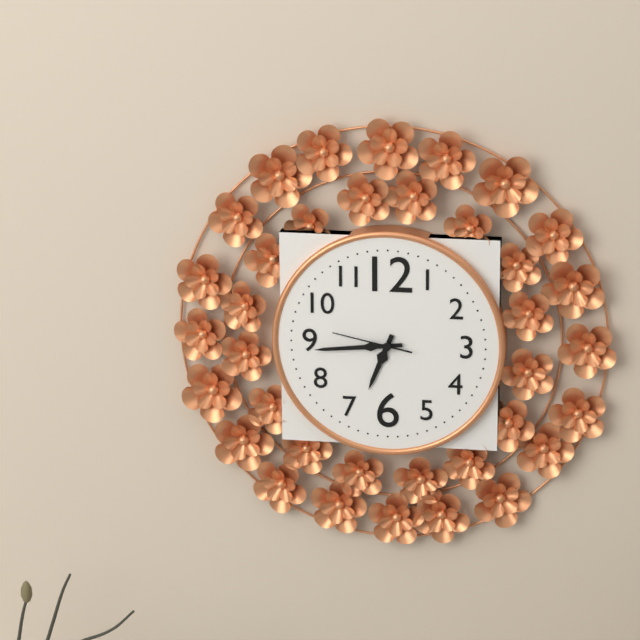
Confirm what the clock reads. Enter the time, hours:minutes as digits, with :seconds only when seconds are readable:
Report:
6:44:47
